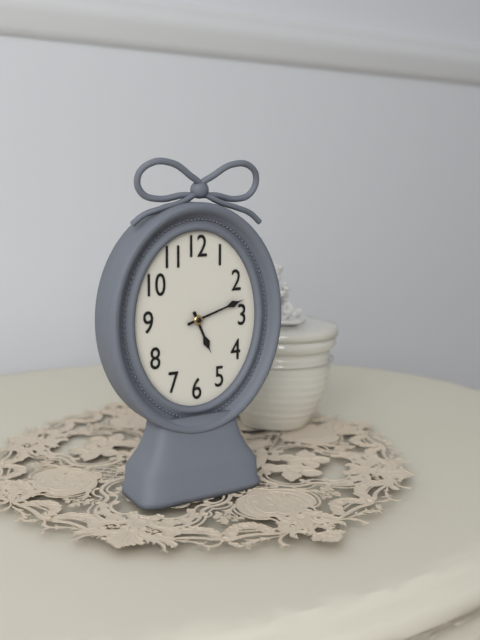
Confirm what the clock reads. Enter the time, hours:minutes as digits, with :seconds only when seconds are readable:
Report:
5:12
